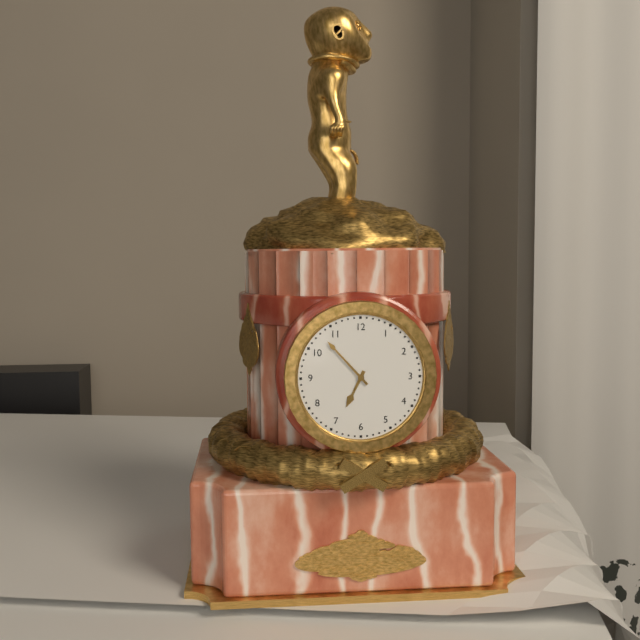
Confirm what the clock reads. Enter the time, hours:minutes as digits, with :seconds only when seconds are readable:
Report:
6:53
